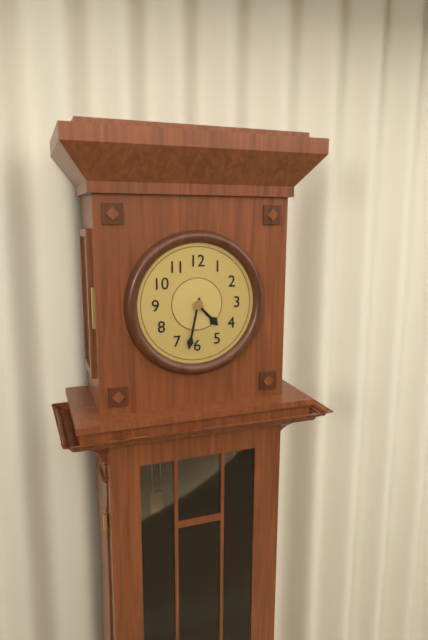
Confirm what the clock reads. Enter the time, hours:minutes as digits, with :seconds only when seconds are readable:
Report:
4:32
